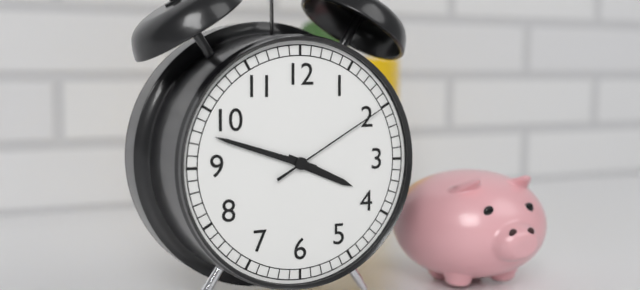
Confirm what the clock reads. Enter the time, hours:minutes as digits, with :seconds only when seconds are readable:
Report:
3:48:10
